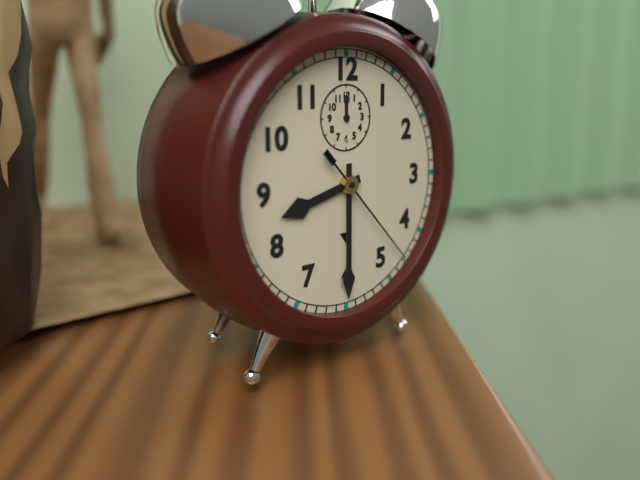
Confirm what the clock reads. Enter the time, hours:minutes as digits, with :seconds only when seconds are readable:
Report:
8:30:23
